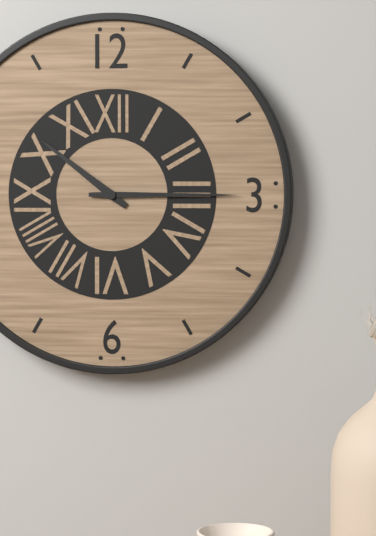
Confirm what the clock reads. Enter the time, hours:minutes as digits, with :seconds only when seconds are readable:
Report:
10:15
